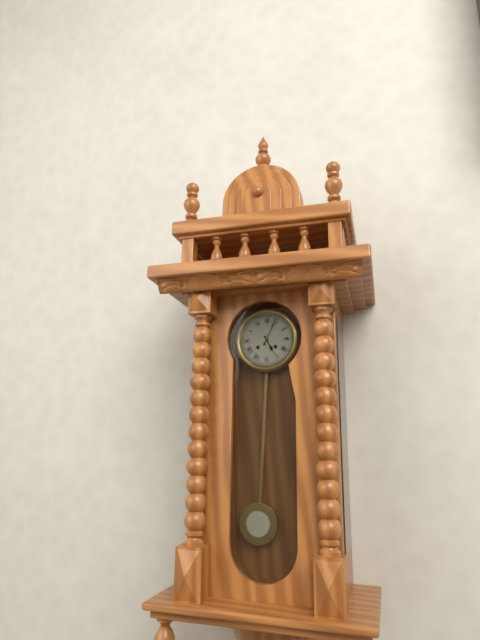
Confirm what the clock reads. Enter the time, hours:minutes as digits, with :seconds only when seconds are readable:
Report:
5:04
